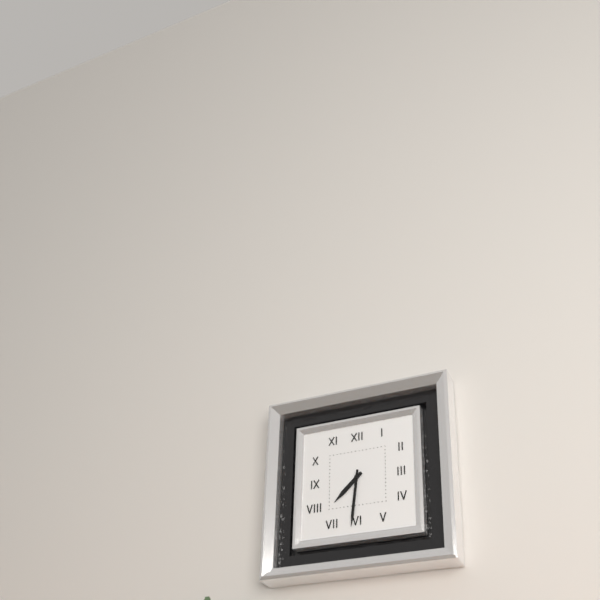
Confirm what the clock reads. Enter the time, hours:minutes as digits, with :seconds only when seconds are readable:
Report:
7:31
